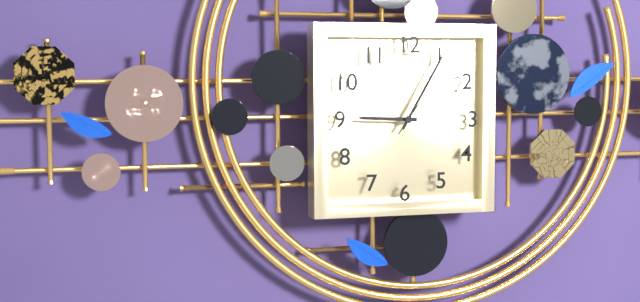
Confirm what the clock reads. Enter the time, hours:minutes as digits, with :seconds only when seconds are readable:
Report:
9:05:06
